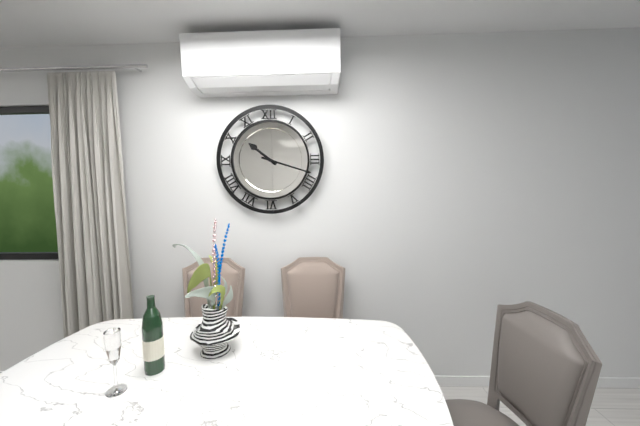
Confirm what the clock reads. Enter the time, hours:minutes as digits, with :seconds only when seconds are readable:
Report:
10:18
